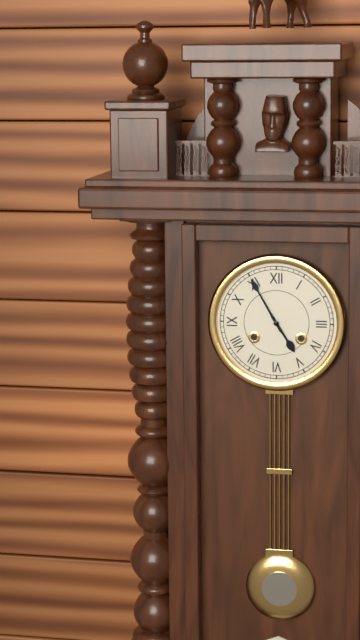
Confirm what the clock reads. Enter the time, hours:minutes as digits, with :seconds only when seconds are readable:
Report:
4:55
